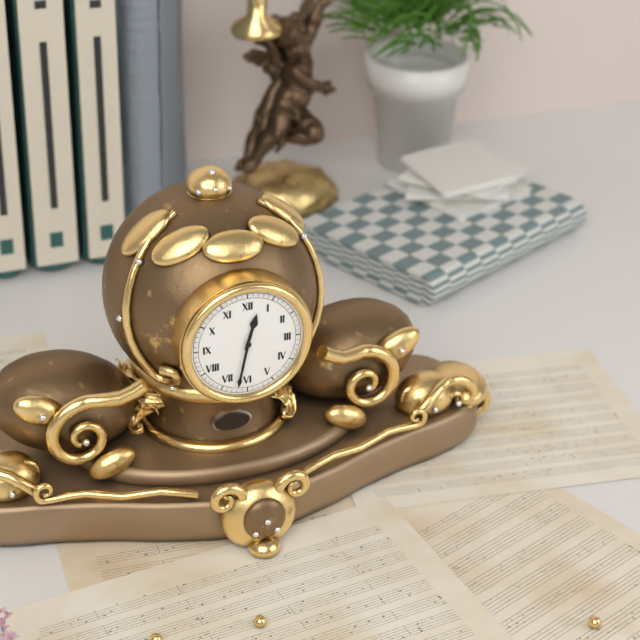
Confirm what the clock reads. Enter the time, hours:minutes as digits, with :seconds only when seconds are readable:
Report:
12:32
